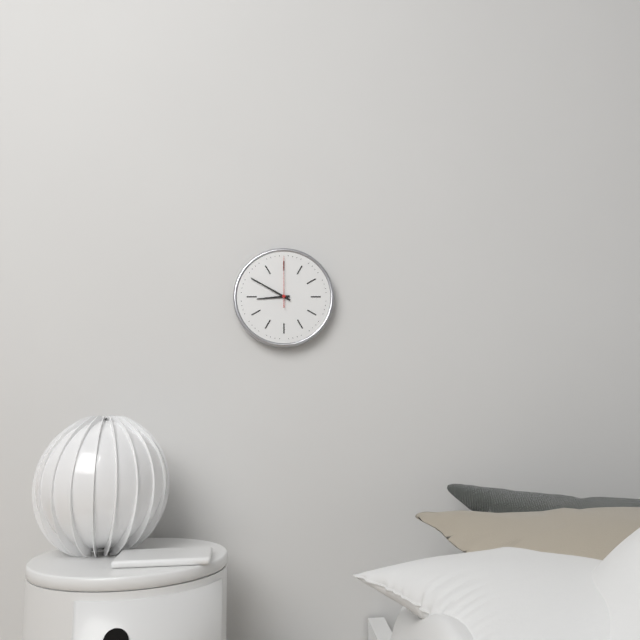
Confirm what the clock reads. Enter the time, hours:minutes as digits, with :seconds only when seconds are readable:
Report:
8:50:00
